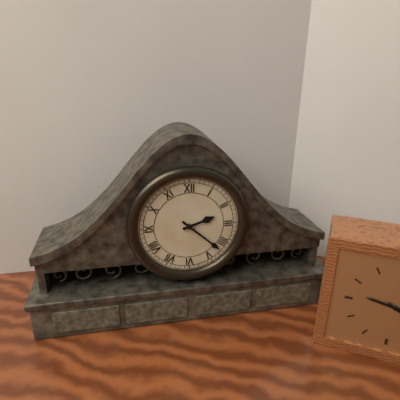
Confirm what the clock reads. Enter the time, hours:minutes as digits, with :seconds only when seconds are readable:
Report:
2:22
